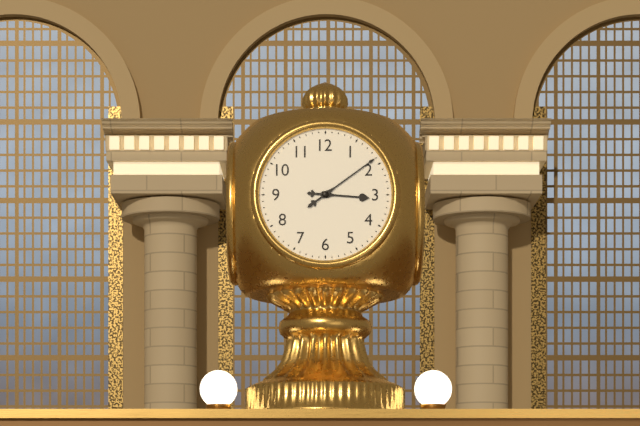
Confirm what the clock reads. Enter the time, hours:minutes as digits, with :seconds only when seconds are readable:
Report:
3:09
